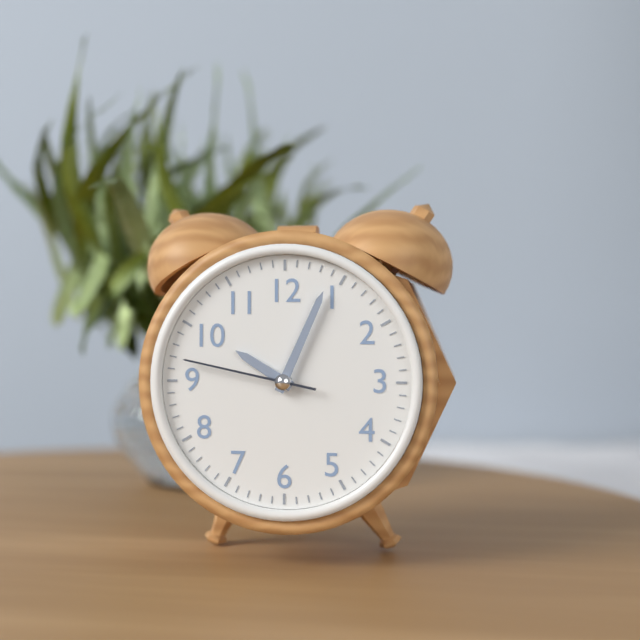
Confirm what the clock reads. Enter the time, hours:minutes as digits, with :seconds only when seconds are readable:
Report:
10:04:47
